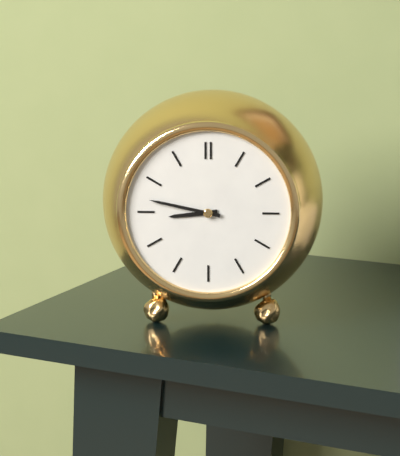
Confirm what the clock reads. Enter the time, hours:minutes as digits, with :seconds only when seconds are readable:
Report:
8:47
